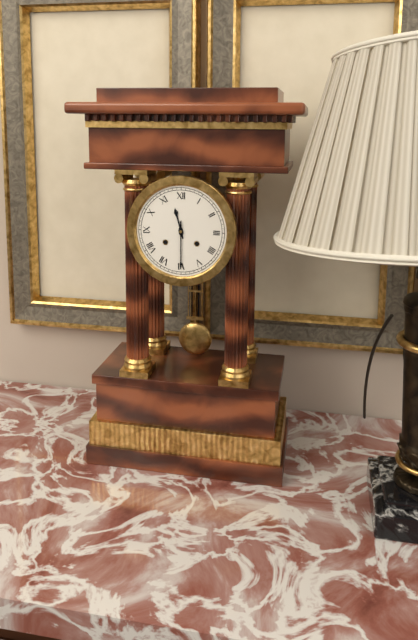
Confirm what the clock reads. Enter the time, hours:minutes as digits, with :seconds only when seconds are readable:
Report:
11:30
